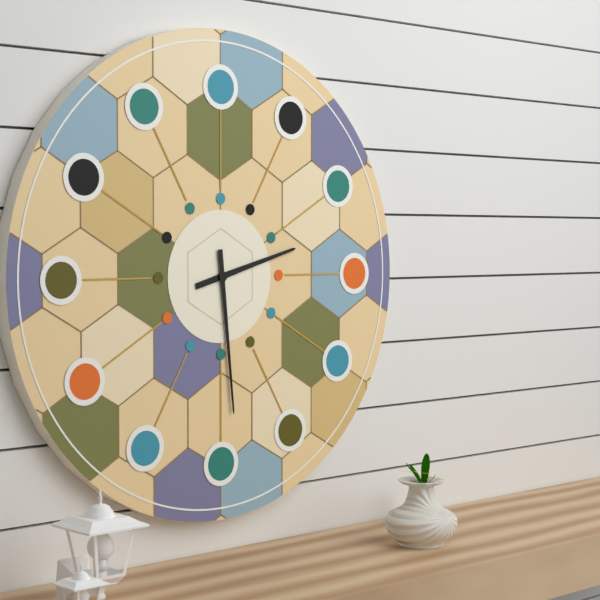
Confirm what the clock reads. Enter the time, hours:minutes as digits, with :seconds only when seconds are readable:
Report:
2:29
